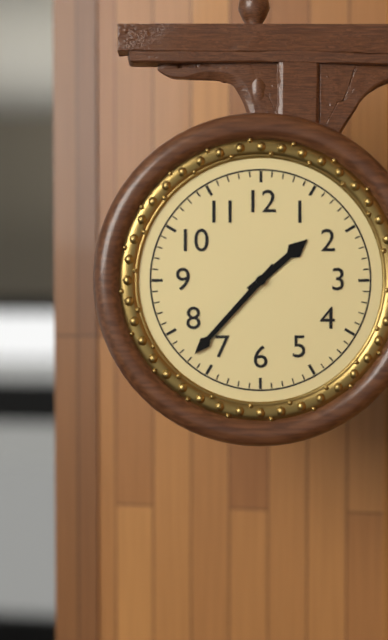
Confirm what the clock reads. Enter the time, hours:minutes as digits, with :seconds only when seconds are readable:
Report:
1:37
